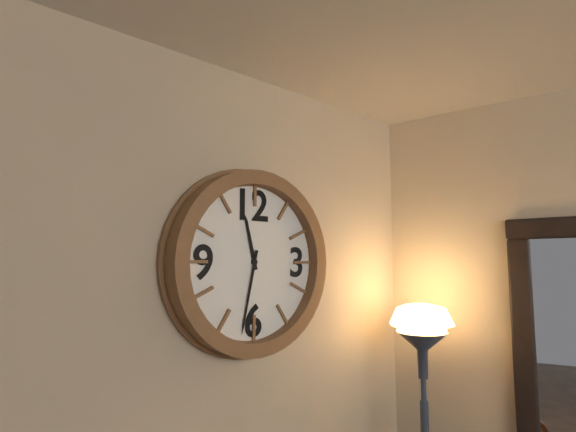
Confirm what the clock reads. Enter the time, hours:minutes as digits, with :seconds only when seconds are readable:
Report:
11:32
